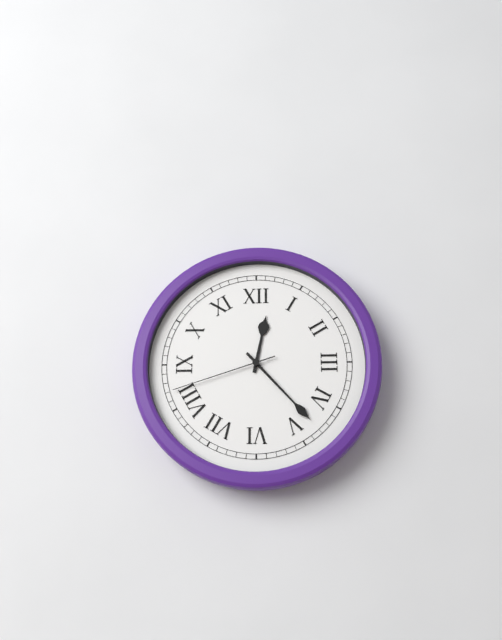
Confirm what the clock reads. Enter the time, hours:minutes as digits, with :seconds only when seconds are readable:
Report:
12:23:42
